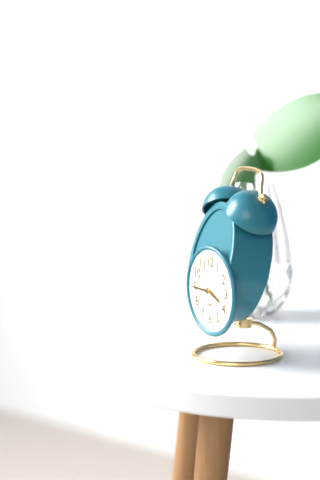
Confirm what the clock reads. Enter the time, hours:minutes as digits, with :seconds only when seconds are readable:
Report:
3:45
